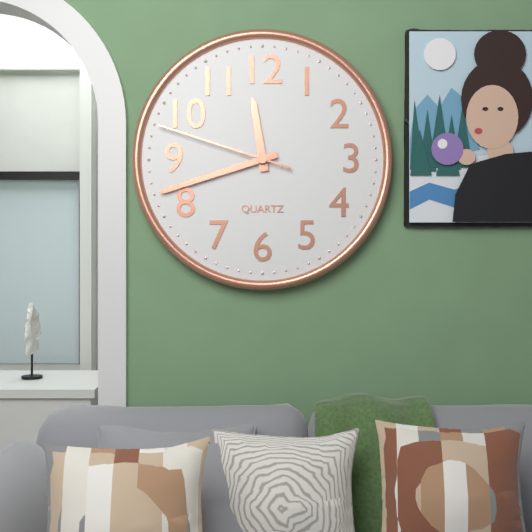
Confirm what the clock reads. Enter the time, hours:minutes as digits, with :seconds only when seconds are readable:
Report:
11:42:48
